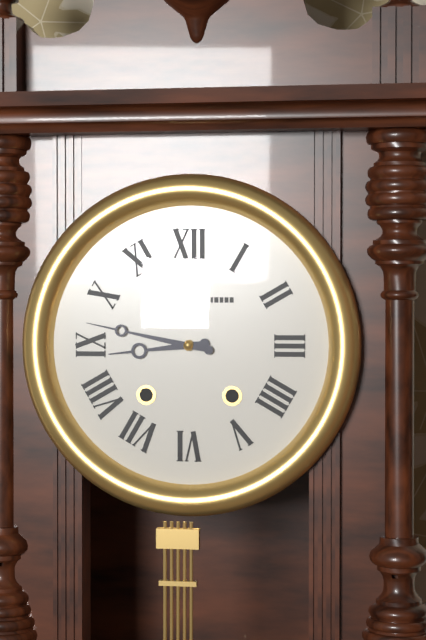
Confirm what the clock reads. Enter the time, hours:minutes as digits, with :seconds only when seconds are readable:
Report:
8:47
